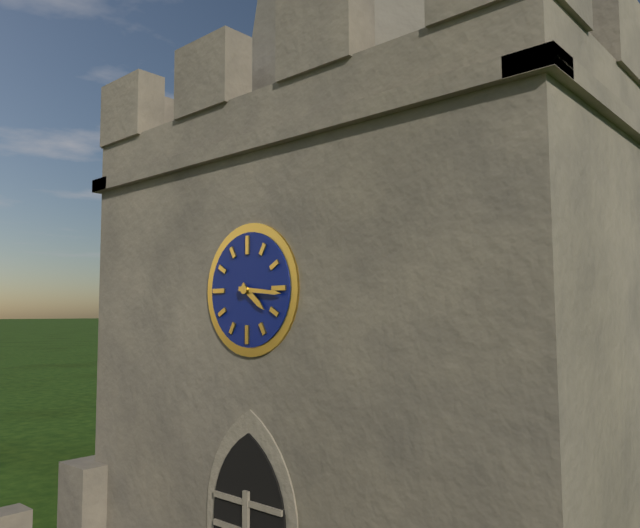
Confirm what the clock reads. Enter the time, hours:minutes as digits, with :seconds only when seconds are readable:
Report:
4:16
